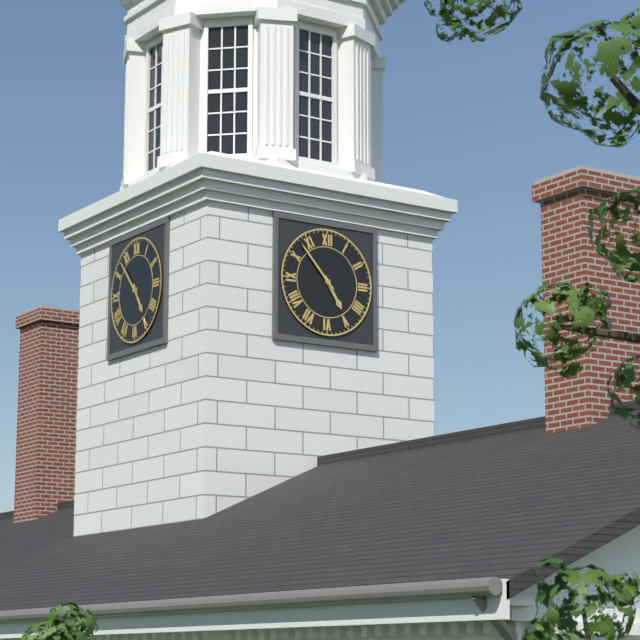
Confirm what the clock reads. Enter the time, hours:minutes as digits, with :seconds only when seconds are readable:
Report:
4:53
